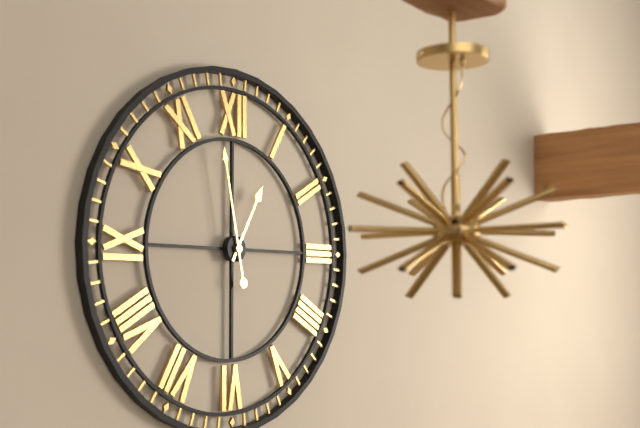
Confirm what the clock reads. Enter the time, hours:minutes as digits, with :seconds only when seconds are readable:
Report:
12:58
